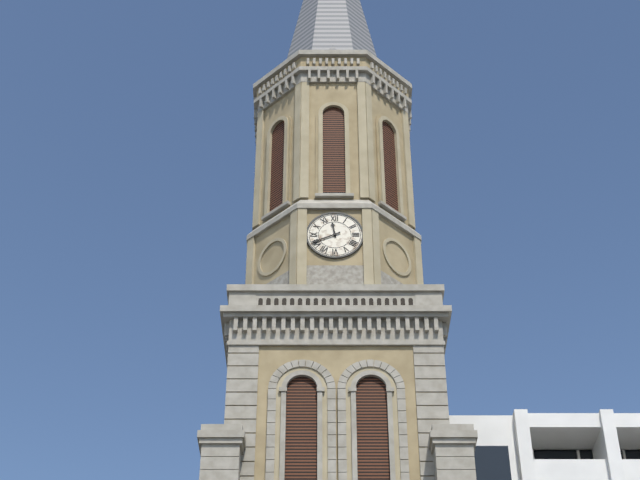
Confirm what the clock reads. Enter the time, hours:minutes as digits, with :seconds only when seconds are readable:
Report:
11:41
